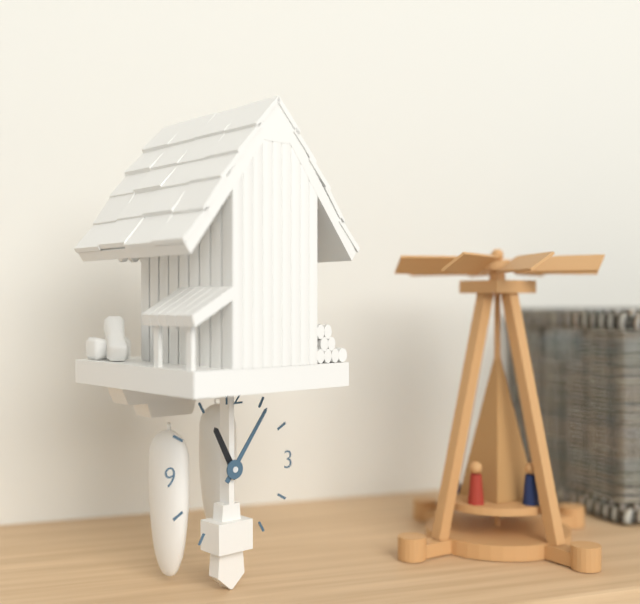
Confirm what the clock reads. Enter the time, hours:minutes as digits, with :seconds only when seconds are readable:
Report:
11:06
